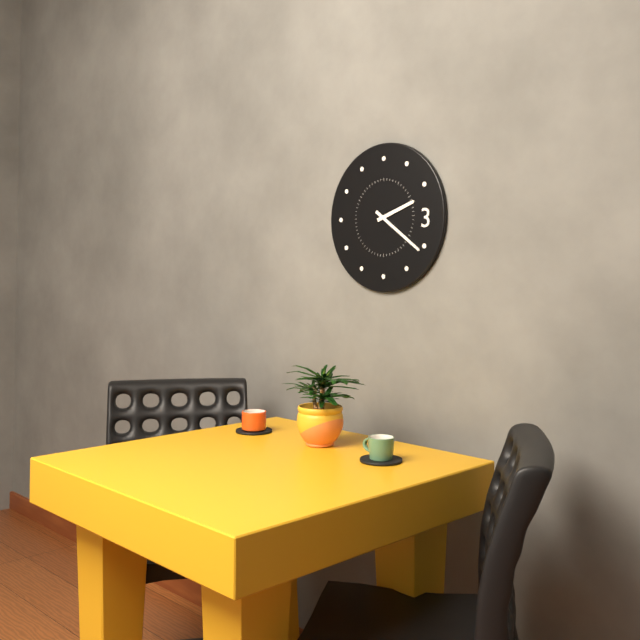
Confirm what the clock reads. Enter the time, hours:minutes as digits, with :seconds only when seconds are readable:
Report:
2:21
